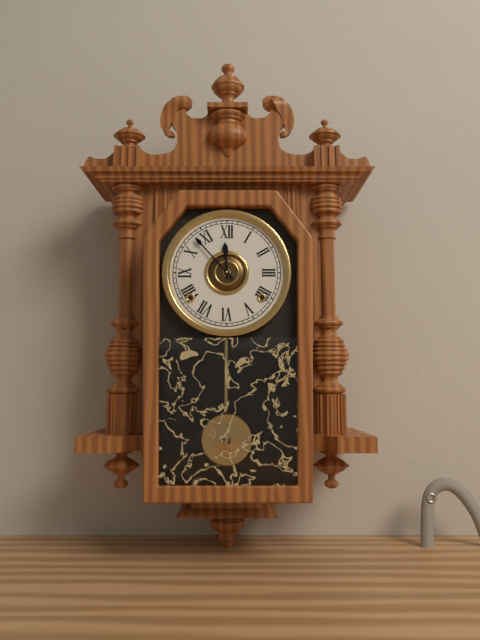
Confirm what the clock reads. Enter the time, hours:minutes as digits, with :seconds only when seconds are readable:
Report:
11:53
